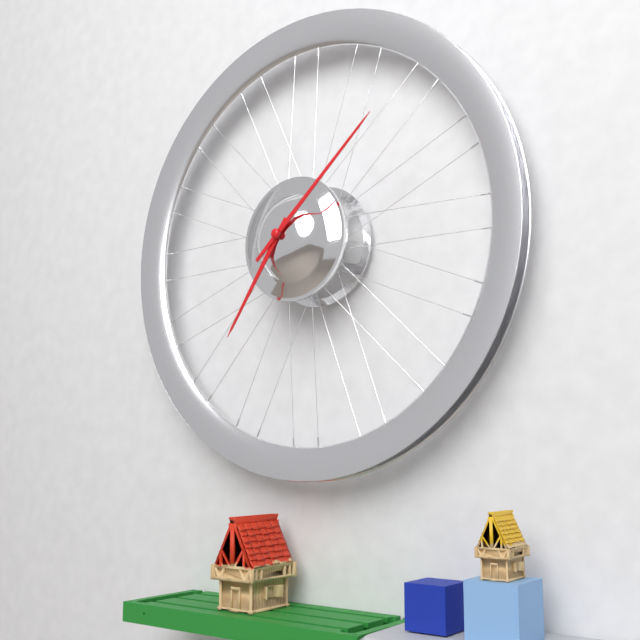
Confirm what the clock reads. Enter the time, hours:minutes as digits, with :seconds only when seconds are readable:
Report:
7:08
